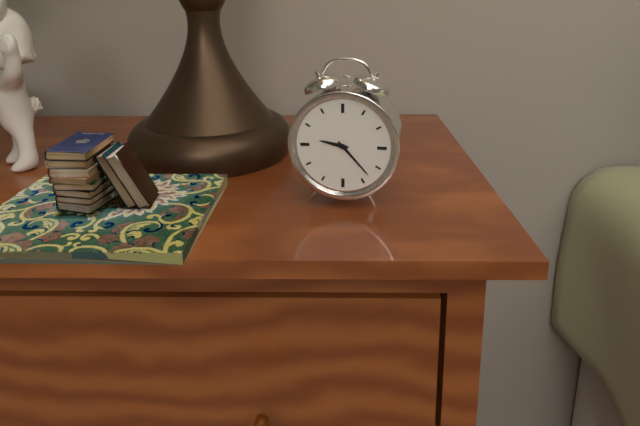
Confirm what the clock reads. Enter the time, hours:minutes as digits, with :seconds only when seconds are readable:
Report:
9:23
